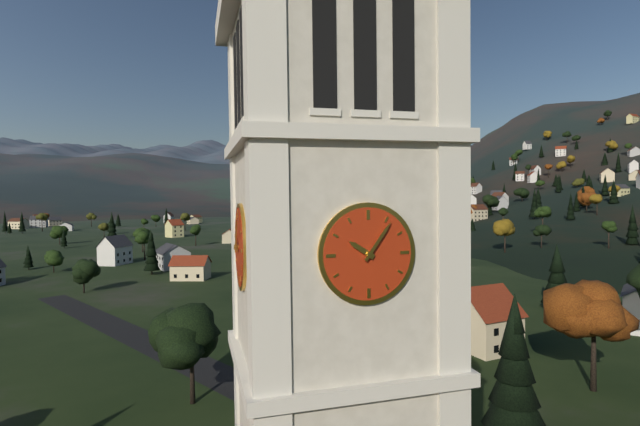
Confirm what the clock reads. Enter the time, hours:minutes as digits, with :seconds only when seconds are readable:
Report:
10:06
